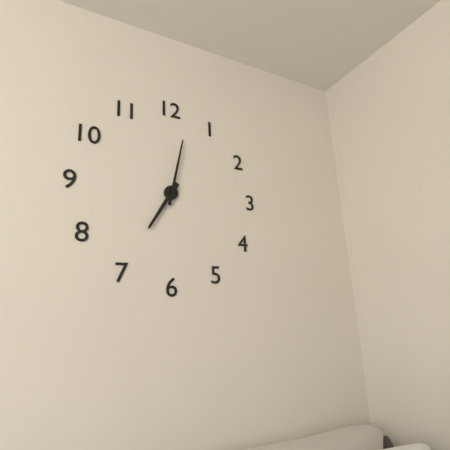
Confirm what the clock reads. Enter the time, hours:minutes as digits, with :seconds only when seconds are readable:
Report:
7:02
